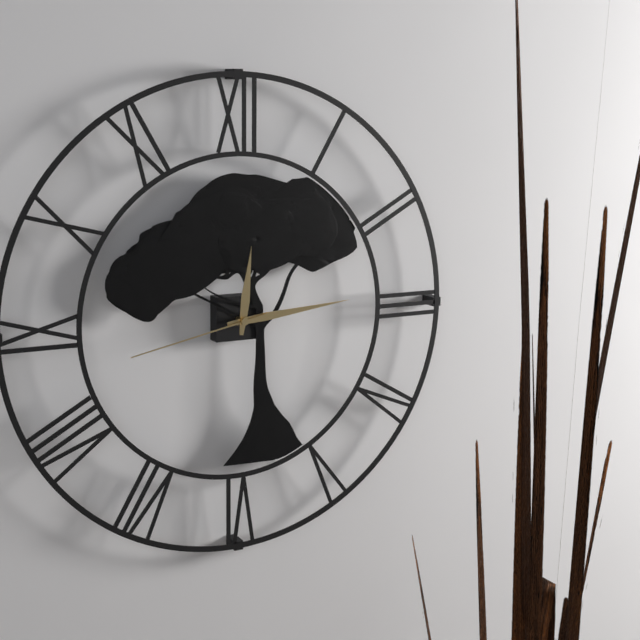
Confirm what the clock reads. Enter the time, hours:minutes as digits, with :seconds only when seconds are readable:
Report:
12:14:43
